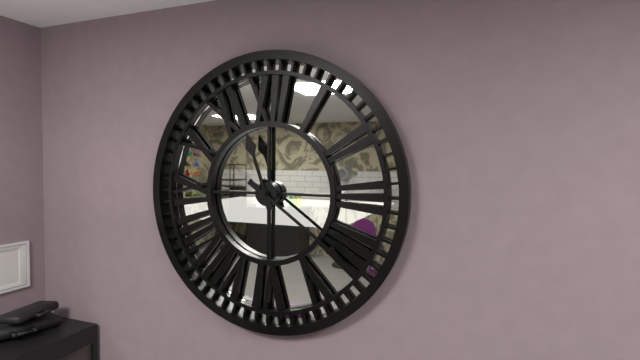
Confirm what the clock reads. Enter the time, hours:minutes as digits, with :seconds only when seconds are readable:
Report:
11:21
